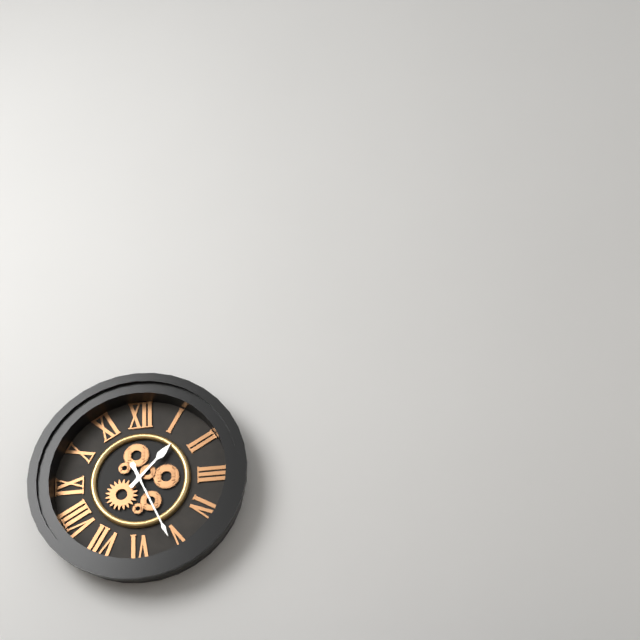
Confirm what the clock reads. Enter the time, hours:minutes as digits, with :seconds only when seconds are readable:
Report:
1:26
